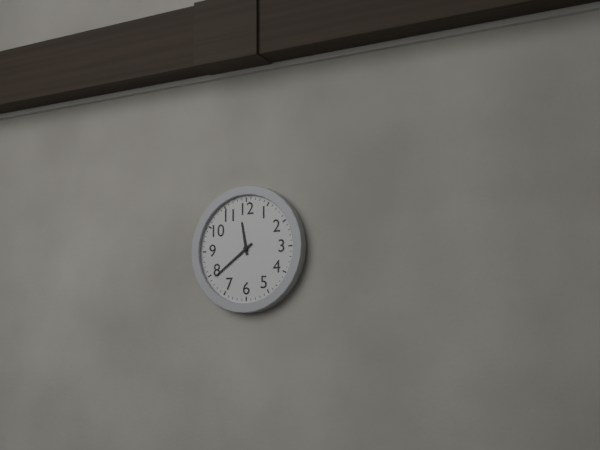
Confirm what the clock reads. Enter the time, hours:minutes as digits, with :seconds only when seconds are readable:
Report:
11:39
